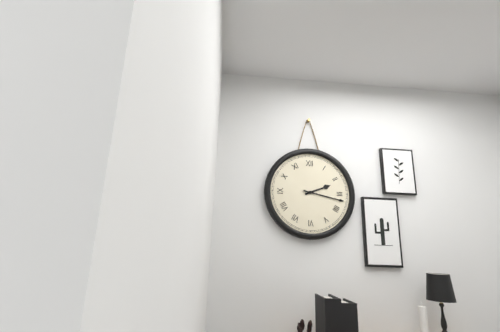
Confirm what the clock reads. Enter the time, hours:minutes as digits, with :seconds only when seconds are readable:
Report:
2:17
